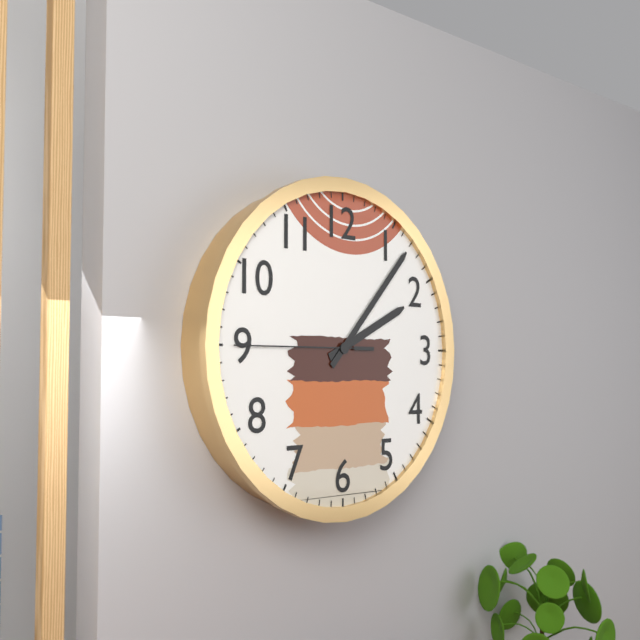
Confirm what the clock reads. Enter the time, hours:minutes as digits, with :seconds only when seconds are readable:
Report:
2:07:45
